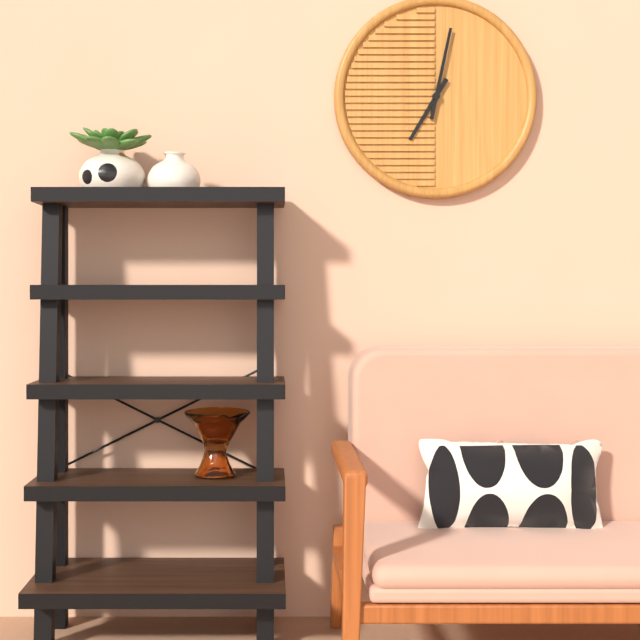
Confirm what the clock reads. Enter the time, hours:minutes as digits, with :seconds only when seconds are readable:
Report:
7:02
